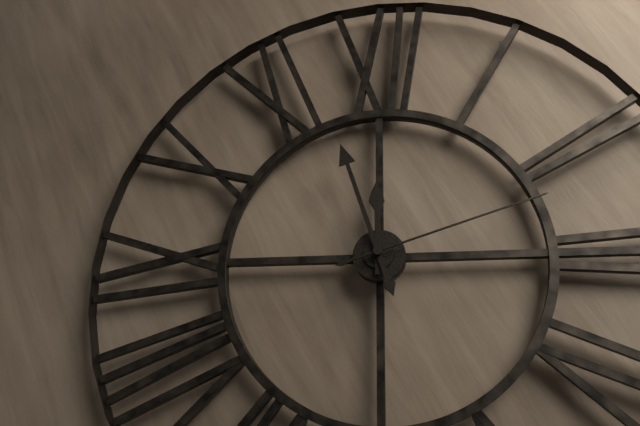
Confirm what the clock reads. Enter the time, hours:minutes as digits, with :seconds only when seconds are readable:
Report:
11:57:12
